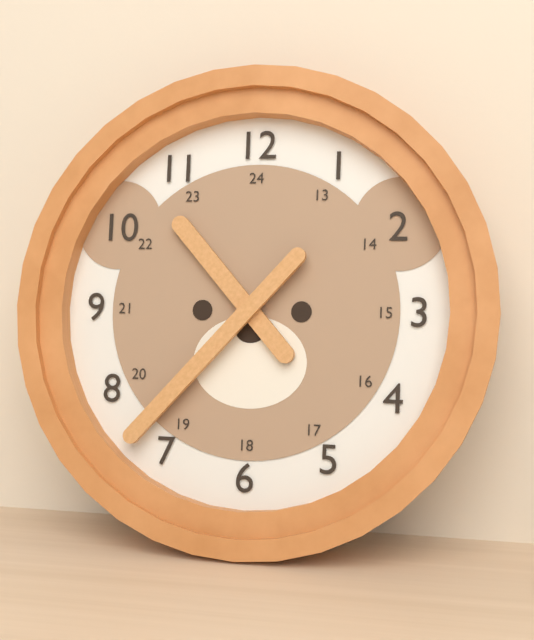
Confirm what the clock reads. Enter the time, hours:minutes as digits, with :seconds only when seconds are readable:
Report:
10:37
